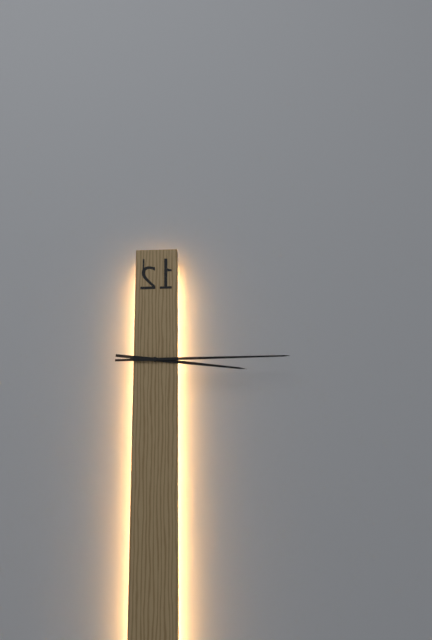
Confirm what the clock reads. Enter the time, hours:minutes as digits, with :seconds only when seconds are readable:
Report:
3:15
